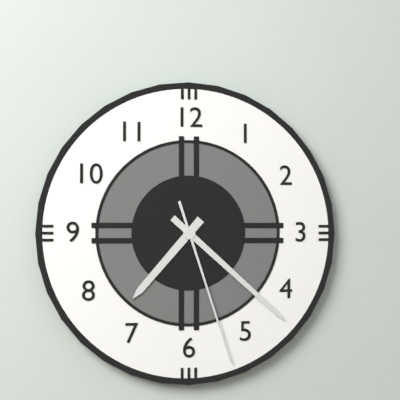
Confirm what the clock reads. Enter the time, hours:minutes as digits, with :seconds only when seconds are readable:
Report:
7:22:27
